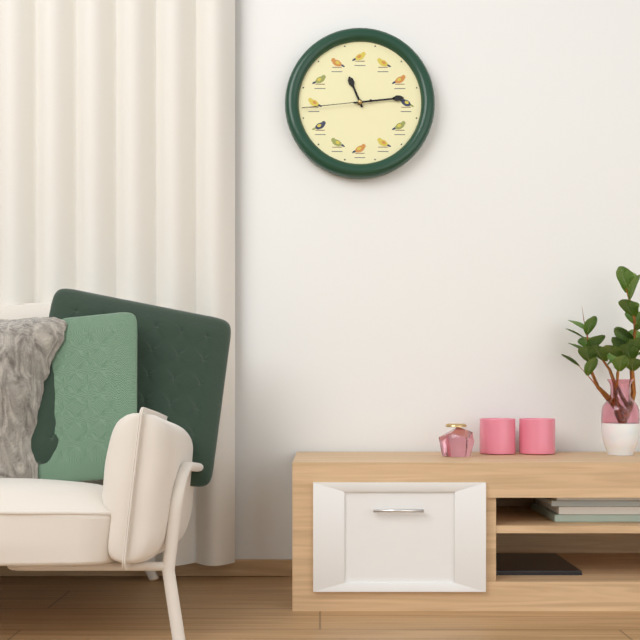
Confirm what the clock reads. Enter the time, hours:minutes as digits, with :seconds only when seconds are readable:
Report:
11:14:44
